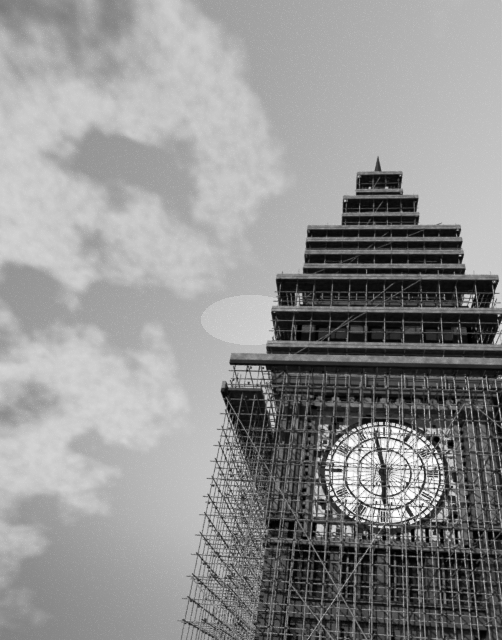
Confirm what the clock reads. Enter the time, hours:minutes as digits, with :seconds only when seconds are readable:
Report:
5:58
